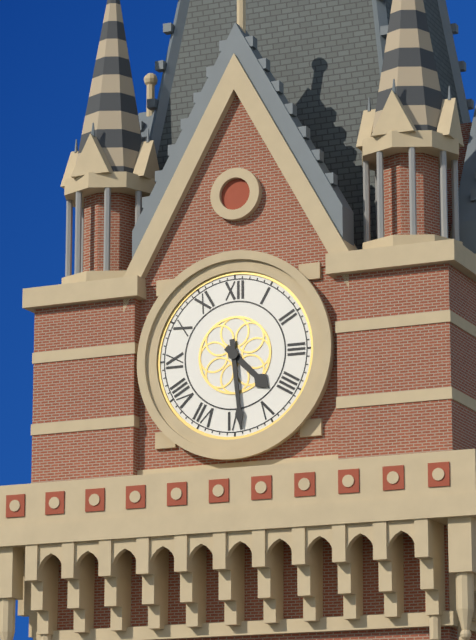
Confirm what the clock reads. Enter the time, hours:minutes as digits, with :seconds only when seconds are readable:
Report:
4:29
